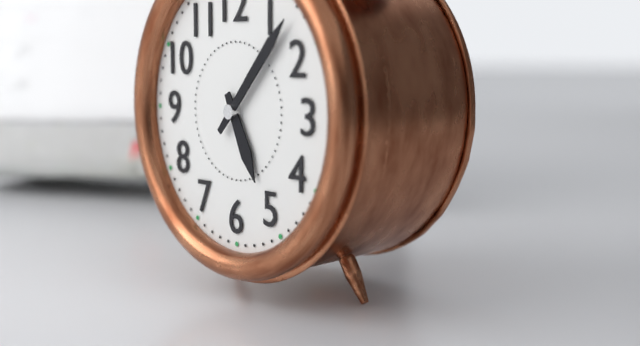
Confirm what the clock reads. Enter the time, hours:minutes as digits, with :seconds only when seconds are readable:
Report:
5:07
